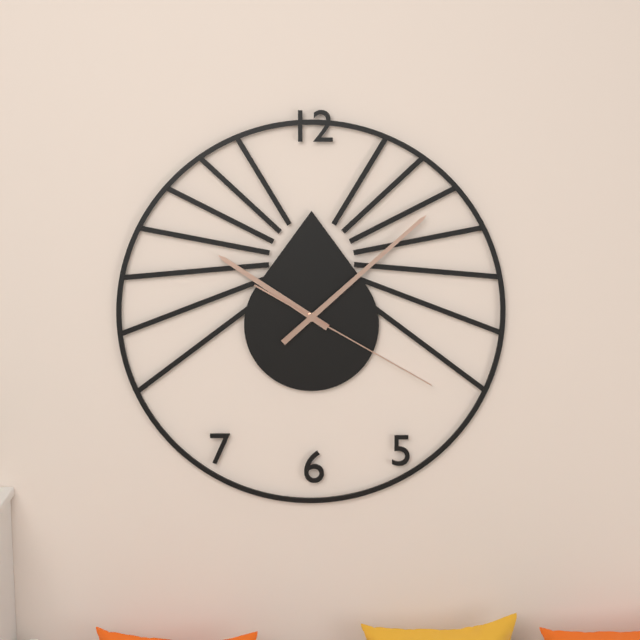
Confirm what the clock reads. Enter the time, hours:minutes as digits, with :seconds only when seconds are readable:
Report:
10:08:20
